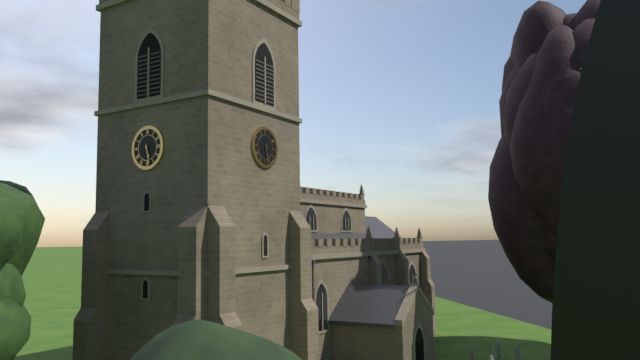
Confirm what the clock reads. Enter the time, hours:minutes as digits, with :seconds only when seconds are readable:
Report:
5:28
